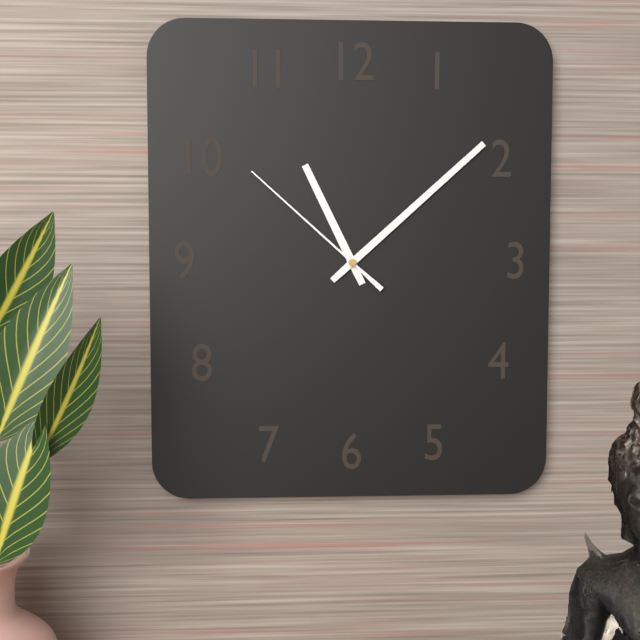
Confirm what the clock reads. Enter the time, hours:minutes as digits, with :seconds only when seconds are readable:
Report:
11:08:52
